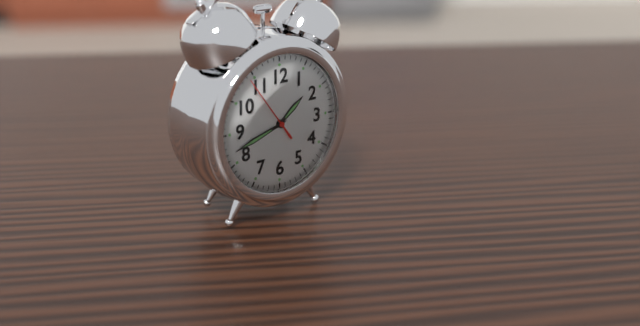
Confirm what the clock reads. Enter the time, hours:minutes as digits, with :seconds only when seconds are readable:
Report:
1:42:54
